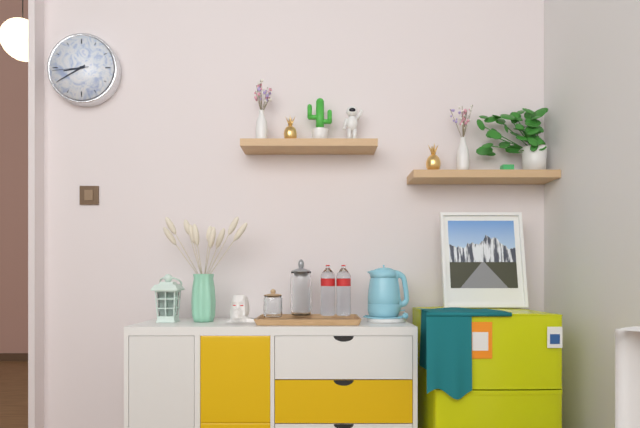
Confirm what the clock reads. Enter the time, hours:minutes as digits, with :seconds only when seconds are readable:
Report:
8:40
